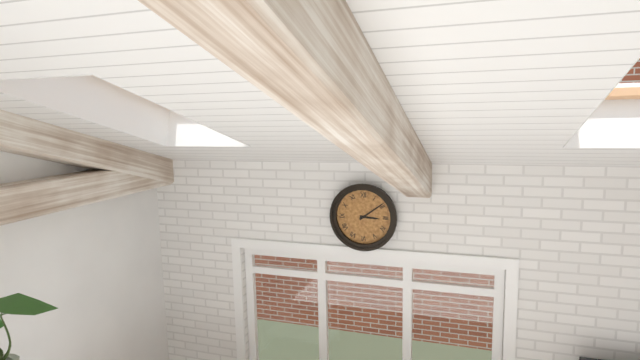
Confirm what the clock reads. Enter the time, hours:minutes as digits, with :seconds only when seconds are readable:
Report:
3:09
